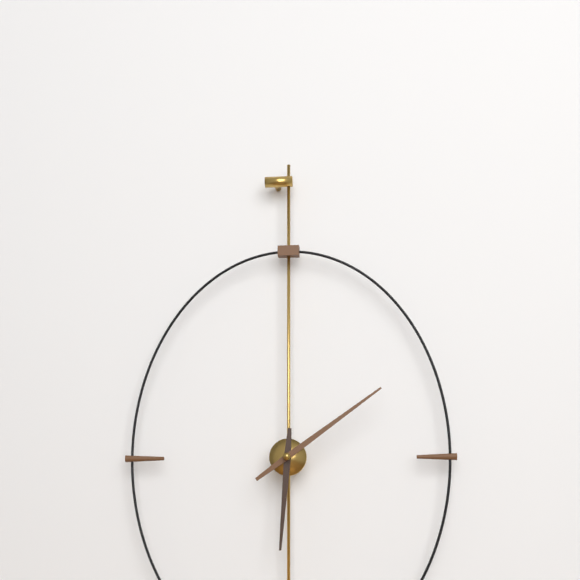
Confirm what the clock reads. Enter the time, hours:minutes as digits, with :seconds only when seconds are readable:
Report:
6:09
